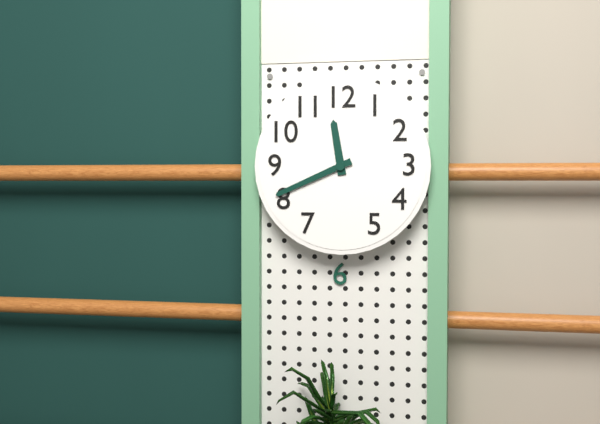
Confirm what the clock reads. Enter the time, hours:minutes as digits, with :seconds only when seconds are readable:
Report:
11:41
